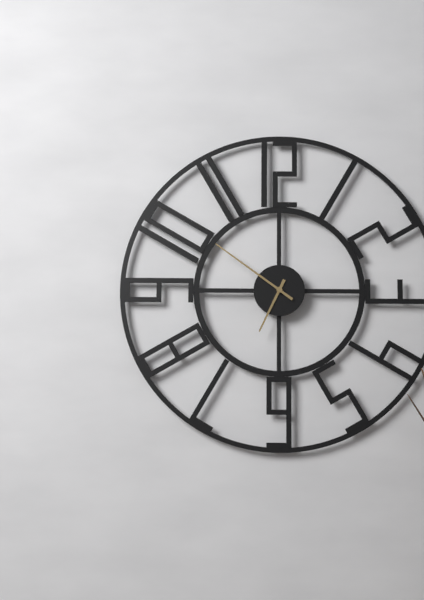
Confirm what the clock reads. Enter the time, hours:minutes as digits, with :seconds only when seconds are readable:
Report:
6:51
